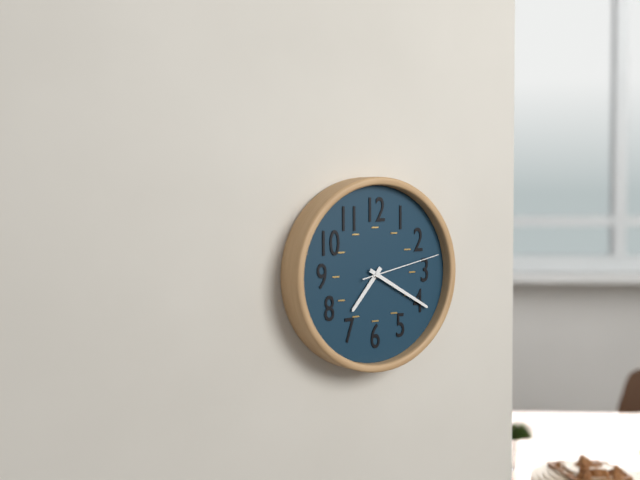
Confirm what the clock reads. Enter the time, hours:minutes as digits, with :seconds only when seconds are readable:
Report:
7:20:13
